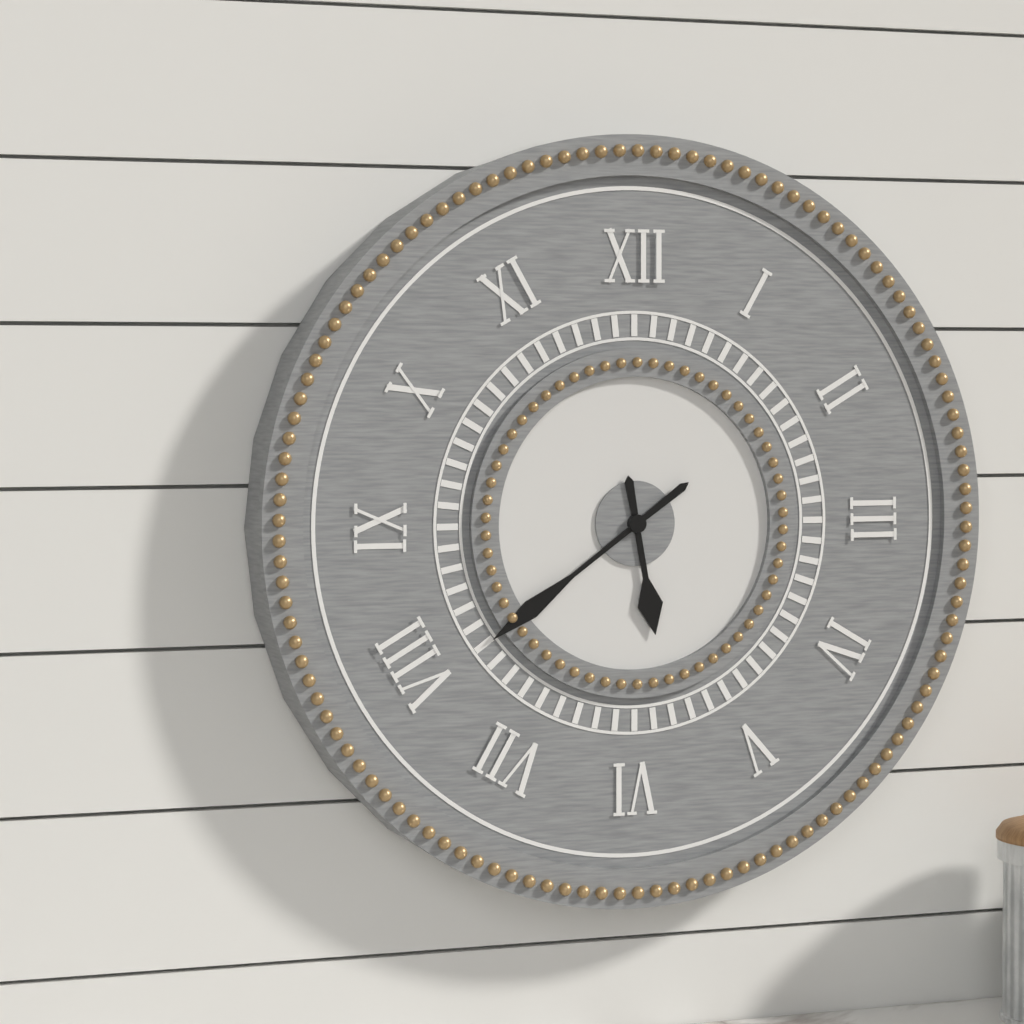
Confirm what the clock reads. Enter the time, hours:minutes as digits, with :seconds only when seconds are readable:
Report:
5:39
